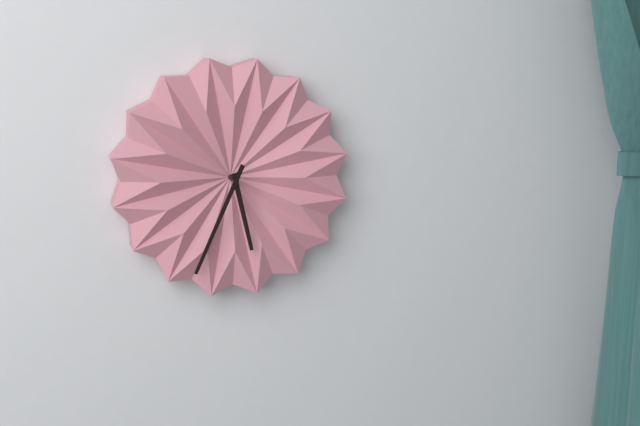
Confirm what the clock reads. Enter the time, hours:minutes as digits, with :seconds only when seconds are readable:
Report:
5:34
